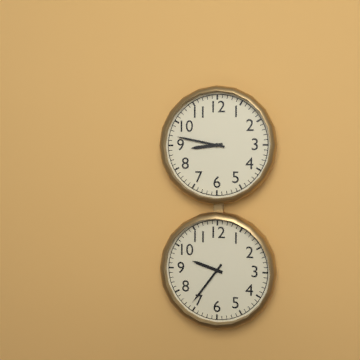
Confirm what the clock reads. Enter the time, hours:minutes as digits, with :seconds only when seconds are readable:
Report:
8:47
